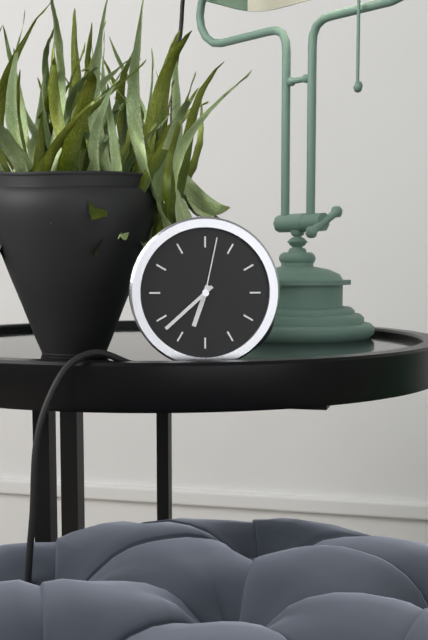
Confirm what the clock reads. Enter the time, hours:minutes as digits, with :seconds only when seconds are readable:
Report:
6:38:02
